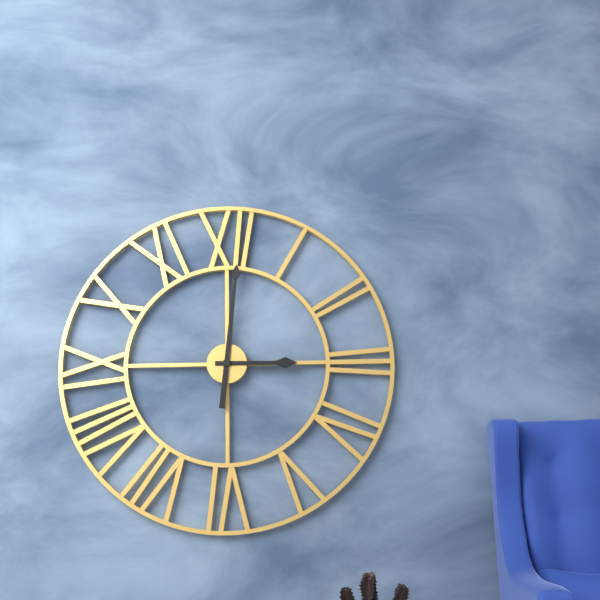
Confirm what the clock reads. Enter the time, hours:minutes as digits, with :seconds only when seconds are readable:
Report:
3:01
